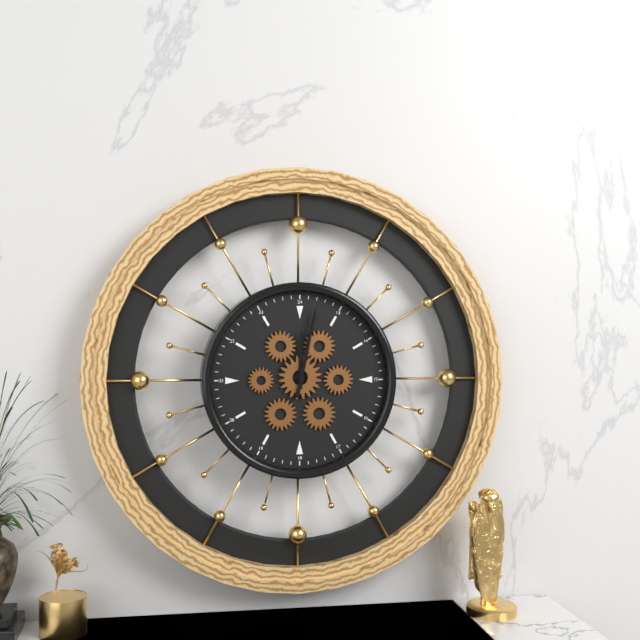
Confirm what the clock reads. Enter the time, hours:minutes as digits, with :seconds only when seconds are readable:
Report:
12:02
